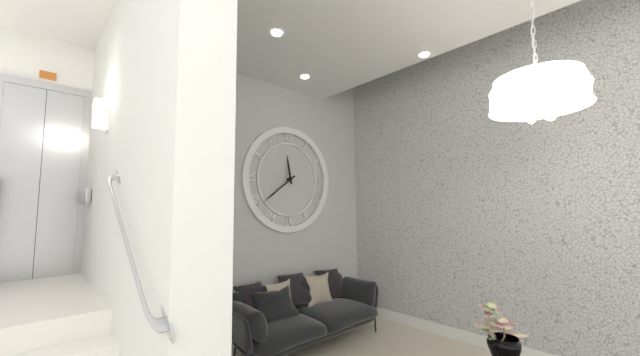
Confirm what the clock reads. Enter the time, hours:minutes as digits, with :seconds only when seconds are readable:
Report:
11:39
